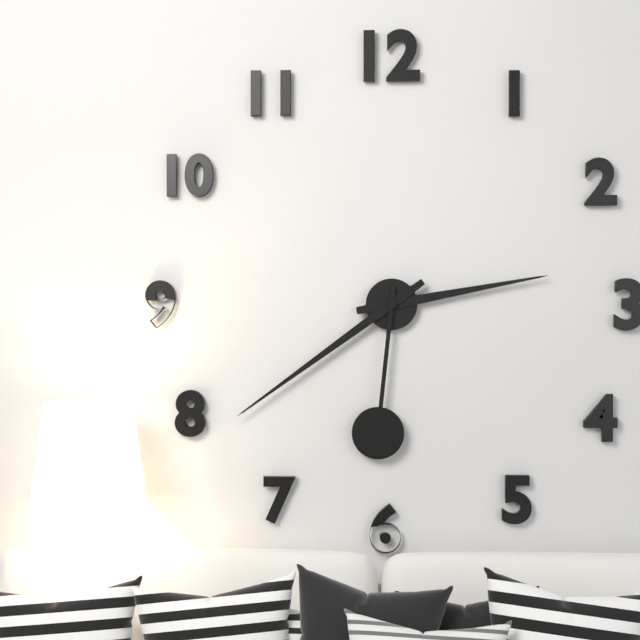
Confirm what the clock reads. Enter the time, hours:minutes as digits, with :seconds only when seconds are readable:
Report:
2:39:31
